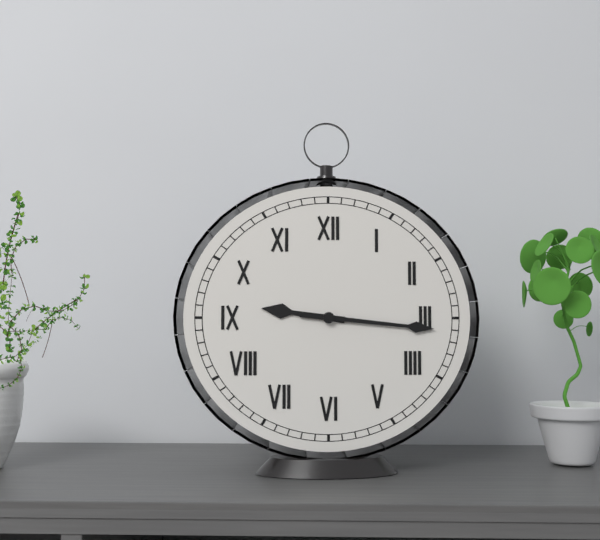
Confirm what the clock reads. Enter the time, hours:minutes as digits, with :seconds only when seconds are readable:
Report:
9:16
